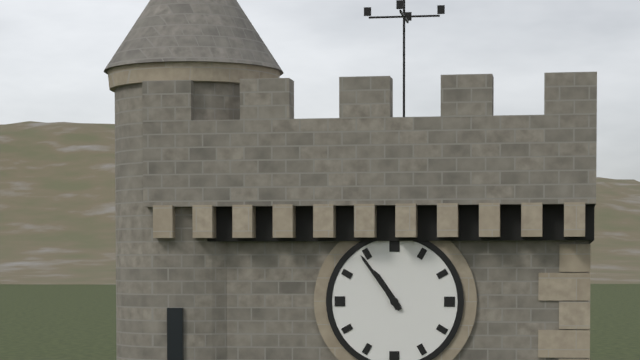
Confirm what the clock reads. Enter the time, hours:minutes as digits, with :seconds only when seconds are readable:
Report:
10:54
